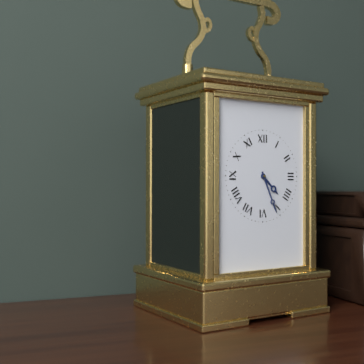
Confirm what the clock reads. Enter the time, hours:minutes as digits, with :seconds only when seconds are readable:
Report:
4:26
